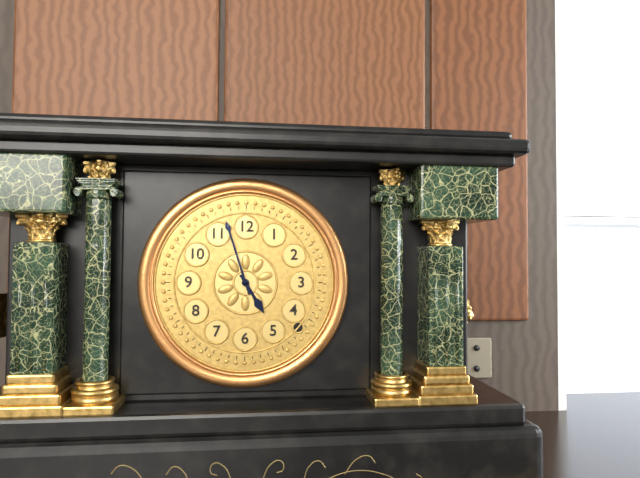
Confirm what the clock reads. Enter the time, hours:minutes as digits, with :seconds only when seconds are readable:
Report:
4:57
